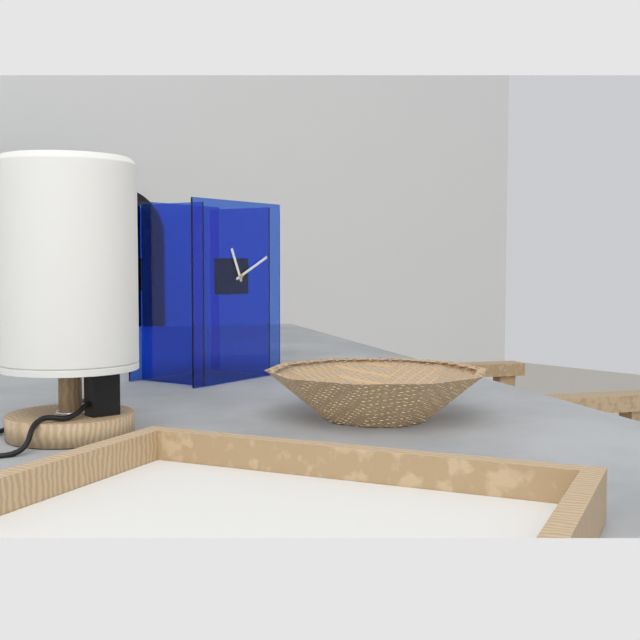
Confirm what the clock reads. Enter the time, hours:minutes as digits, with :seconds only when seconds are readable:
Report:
11:11
